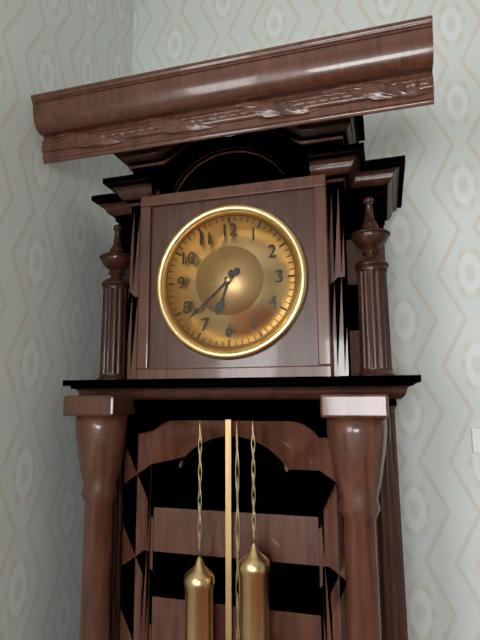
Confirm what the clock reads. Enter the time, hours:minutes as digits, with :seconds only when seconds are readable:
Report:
6:38
